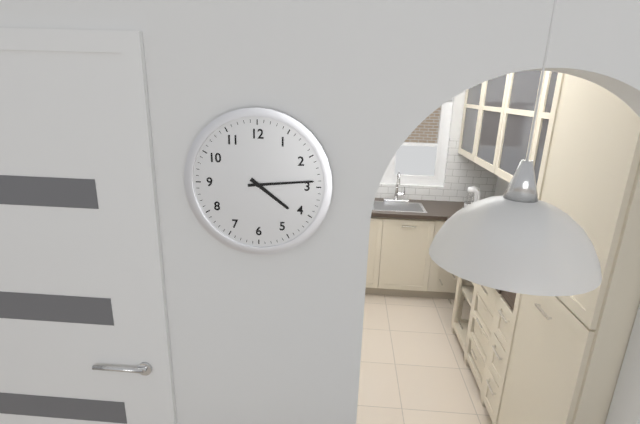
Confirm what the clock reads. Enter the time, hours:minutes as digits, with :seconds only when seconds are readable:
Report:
4:14
